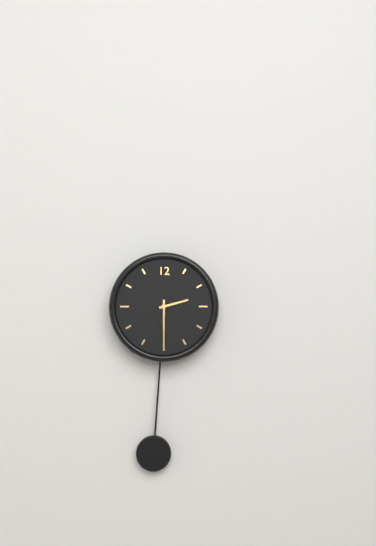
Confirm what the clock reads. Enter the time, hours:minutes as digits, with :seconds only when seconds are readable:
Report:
2:30
